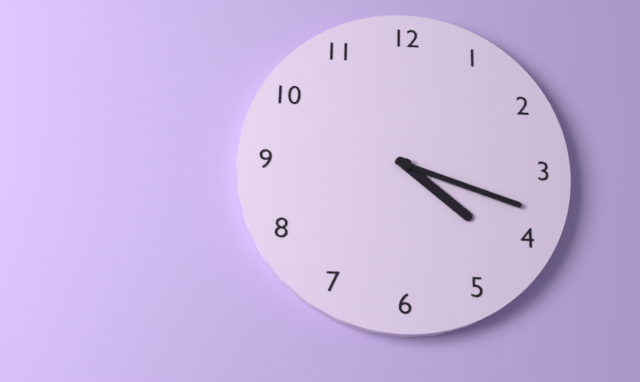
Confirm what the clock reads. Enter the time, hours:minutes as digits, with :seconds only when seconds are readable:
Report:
4:18
